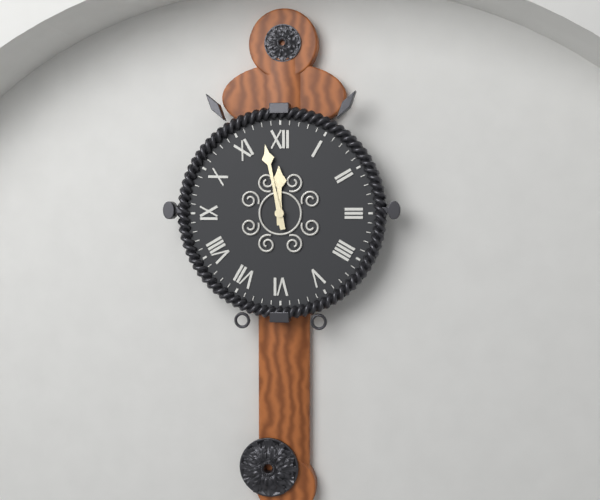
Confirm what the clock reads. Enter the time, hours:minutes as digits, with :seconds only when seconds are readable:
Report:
11:58
